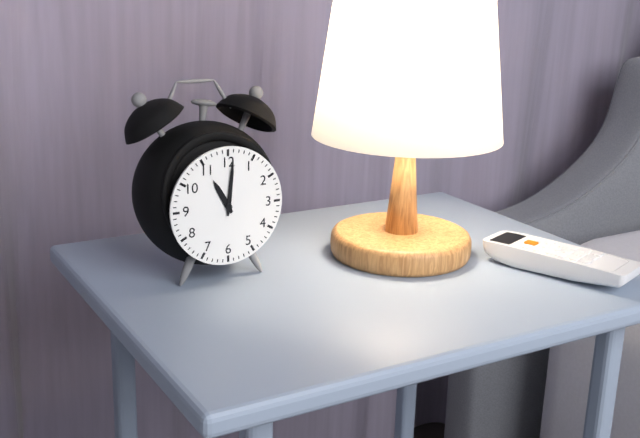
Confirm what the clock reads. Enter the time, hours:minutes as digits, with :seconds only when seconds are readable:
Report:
11:01
